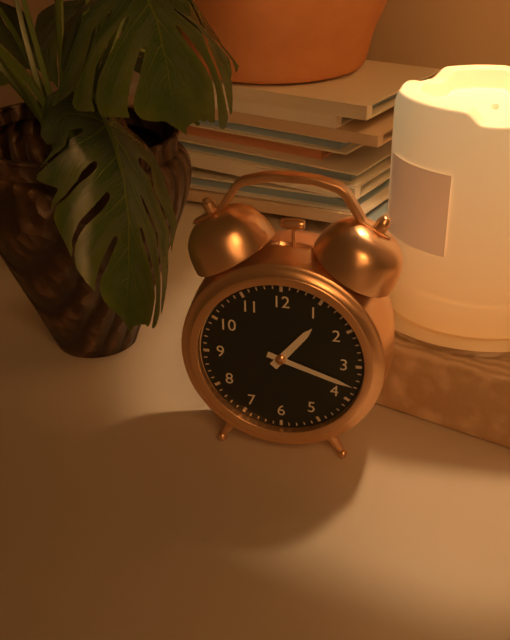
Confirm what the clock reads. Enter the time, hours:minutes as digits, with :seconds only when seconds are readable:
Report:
1:18
